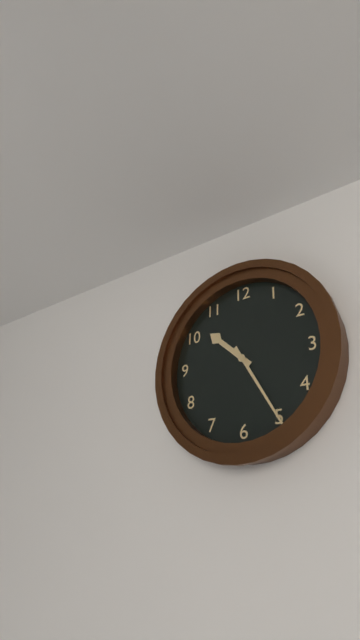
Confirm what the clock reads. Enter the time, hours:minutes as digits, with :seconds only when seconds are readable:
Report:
10:25
